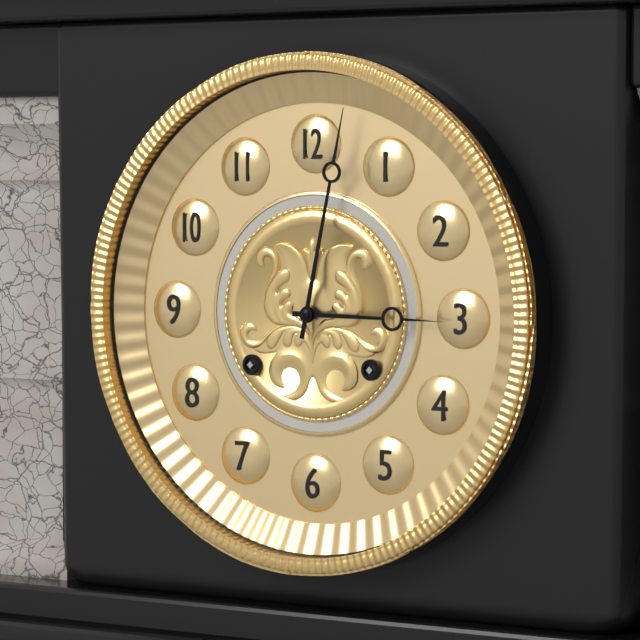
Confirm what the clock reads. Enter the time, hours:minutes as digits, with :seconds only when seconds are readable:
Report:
3:02
